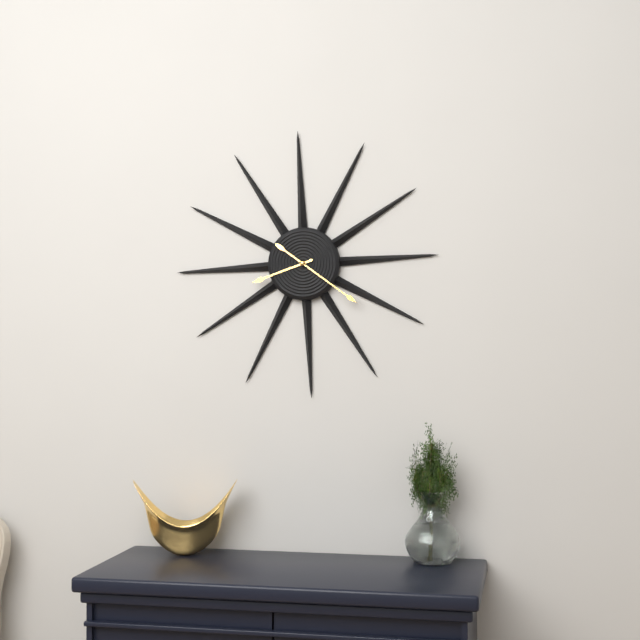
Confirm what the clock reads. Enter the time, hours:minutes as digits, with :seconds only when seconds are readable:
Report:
8:21
